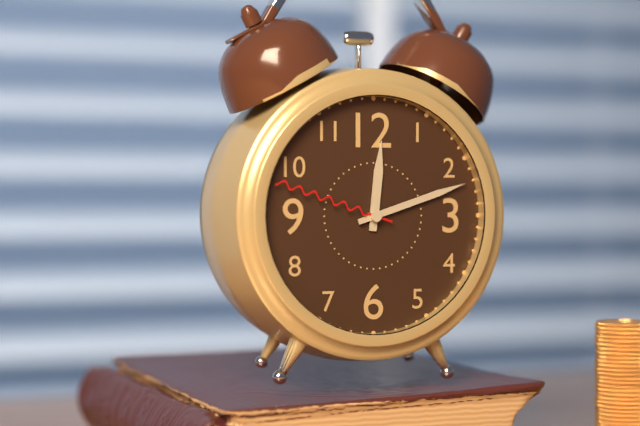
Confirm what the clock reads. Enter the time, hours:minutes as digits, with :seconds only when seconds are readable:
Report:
12:12:48
